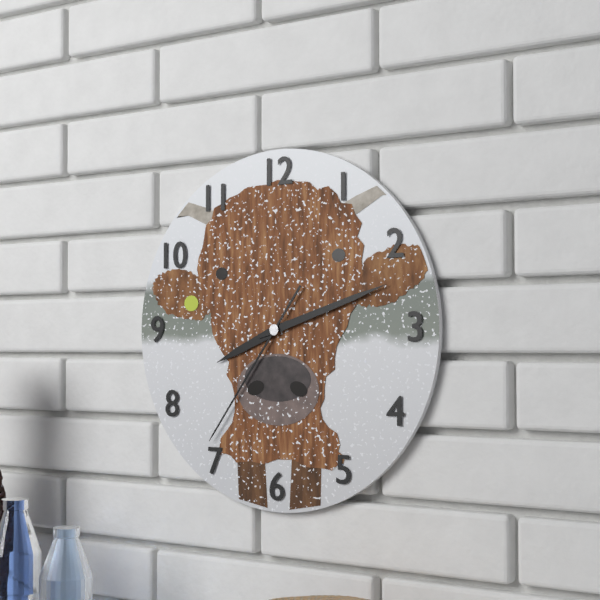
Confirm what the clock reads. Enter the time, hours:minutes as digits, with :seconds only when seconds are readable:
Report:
8:12:36
